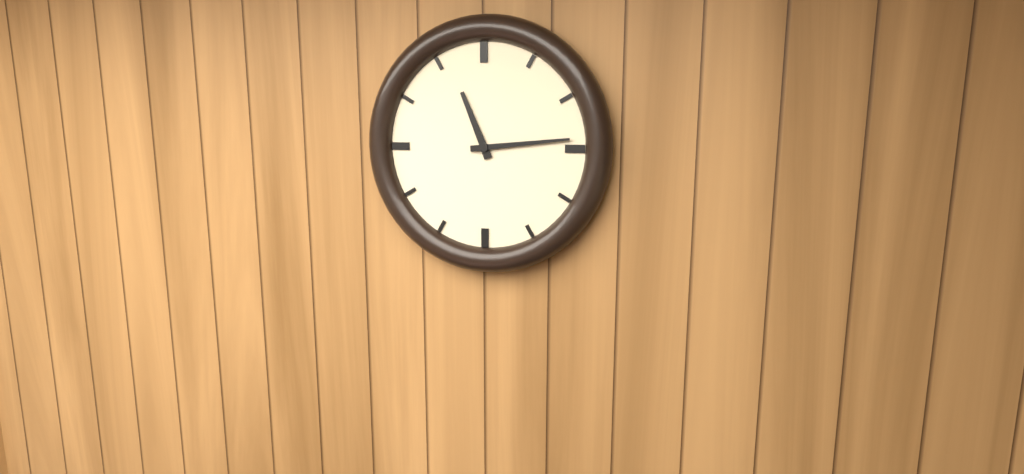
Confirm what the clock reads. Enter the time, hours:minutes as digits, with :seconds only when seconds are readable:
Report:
11:14
